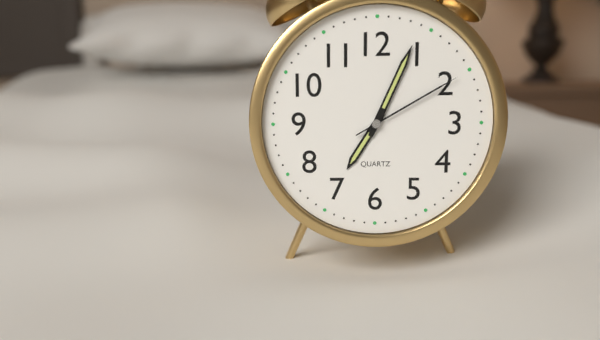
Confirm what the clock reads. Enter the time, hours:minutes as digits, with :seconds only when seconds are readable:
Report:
7:04:10
